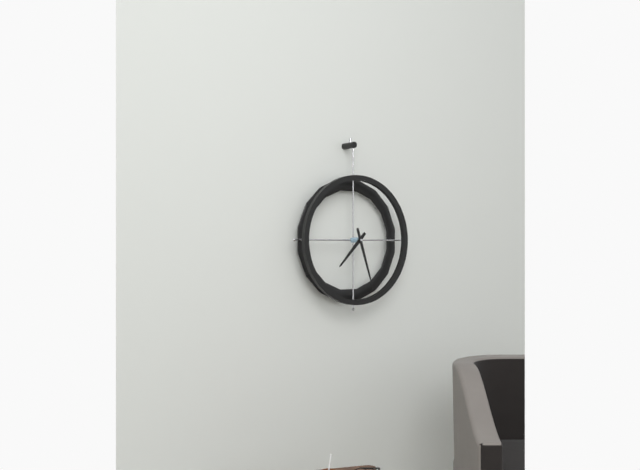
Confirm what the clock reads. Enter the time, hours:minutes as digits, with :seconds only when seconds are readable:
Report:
7:27
